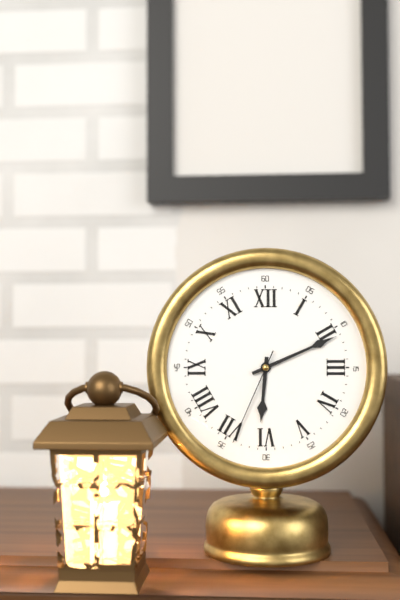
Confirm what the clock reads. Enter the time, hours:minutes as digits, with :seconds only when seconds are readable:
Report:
6:11:34
